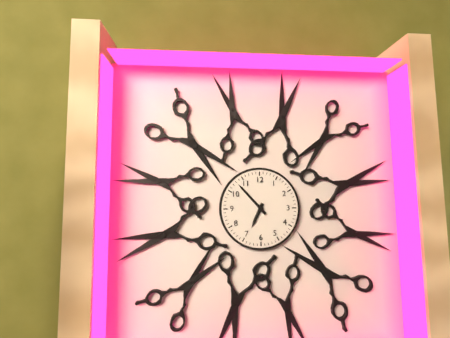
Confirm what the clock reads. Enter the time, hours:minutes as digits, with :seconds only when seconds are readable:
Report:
6:53
